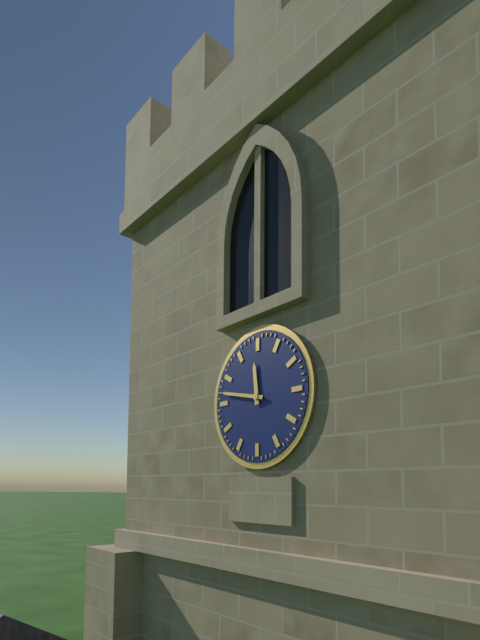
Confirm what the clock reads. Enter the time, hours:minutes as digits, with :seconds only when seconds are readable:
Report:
11:47
